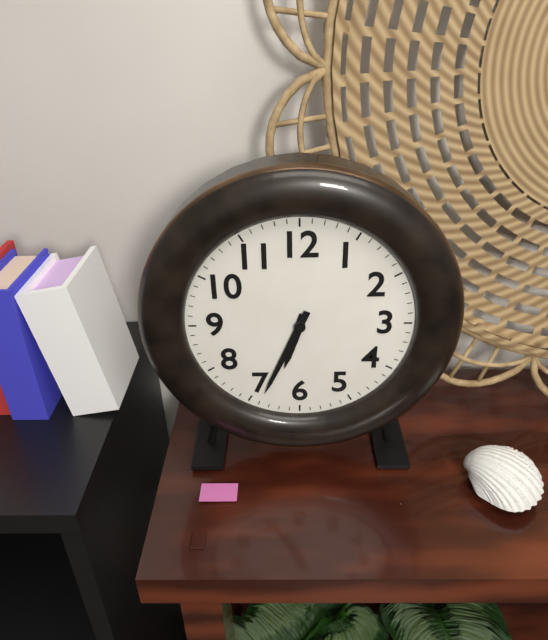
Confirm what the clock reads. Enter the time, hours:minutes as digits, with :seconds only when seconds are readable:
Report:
6:34
